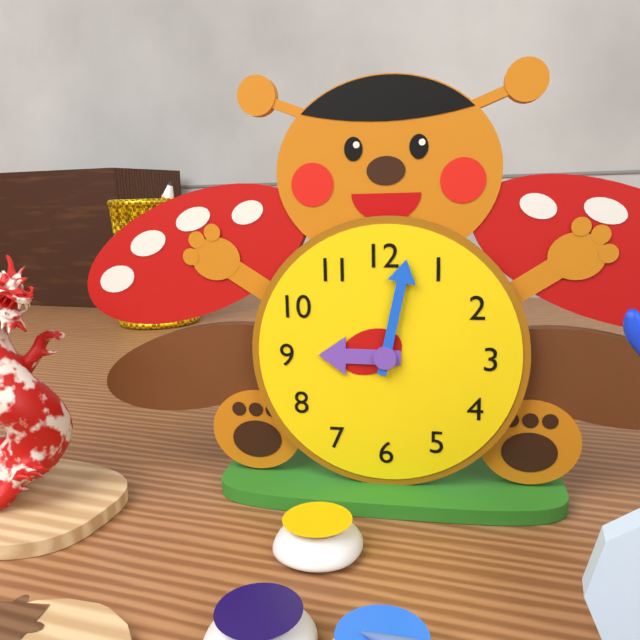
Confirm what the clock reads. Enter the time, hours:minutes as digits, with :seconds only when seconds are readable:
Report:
9:02
